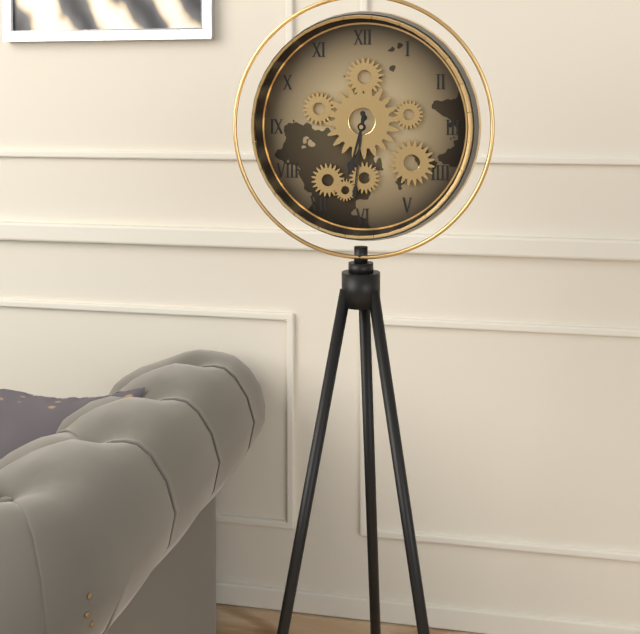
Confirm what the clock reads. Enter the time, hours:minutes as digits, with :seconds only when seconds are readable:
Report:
6:31
